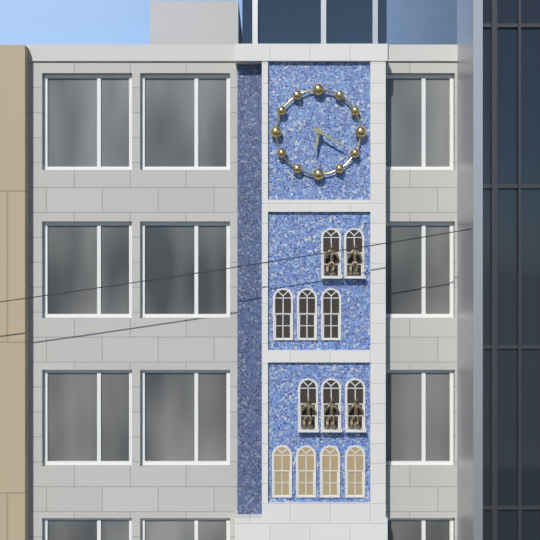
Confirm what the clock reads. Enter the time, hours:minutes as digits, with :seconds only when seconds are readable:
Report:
6:20
